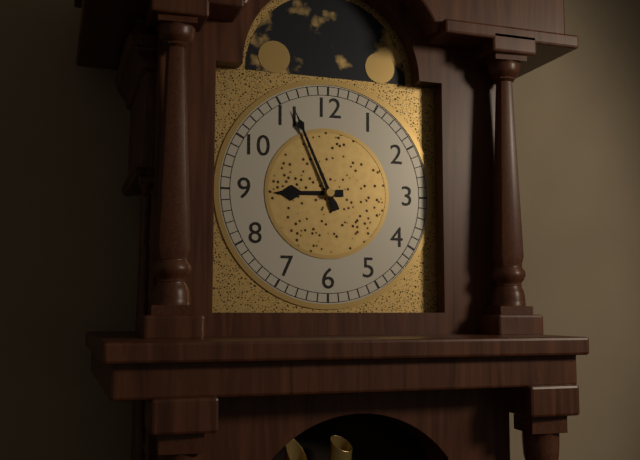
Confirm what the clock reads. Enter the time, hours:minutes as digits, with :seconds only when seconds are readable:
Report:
8:56
